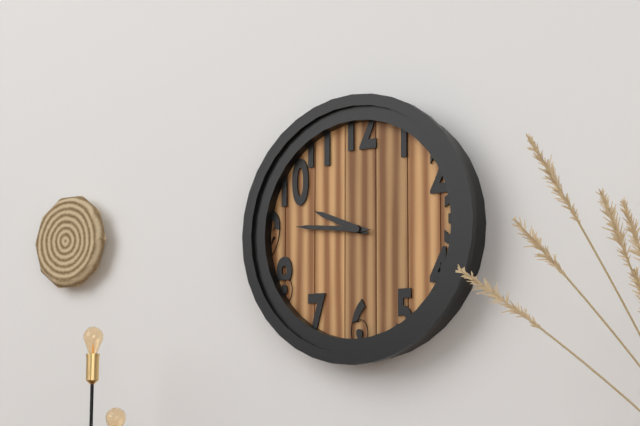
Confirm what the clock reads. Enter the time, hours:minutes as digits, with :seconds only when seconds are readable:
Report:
9:46
